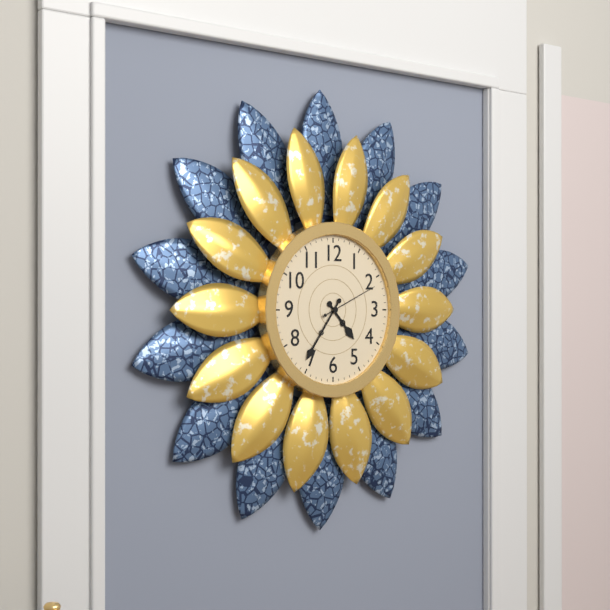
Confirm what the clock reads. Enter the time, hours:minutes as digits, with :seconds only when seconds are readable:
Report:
4:36:11
